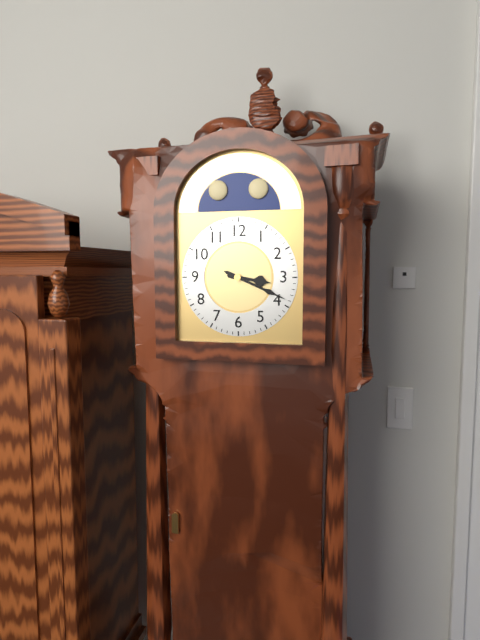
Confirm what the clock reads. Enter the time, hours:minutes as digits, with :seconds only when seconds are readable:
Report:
3:19
